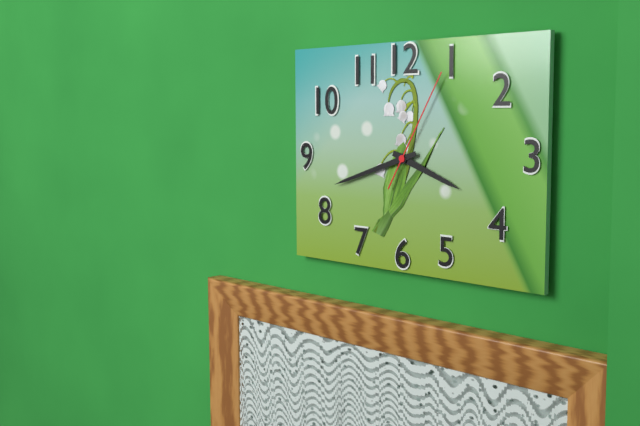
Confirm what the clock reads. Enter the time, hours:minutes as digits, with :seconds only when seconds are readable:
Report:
3:42:05
